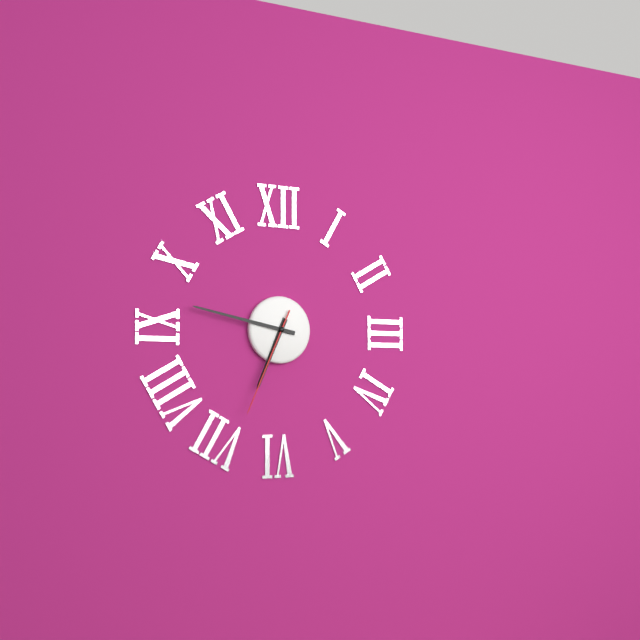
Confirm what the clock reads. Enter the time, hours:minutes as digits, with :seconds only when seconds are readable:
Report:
6:47:34
